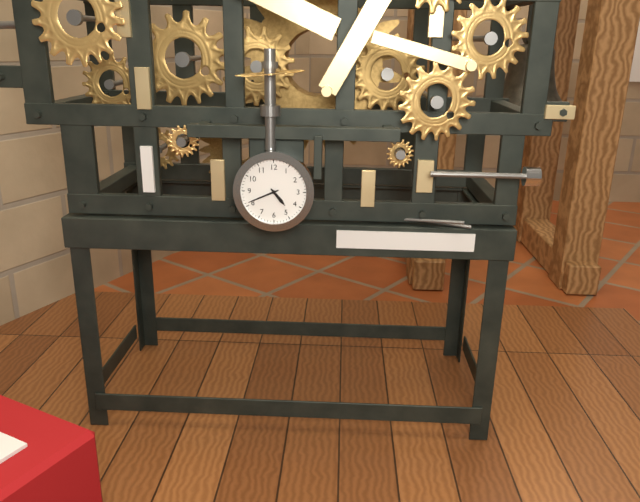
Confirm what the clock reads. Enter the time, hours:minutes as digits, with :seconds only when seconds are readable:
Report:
4:41
